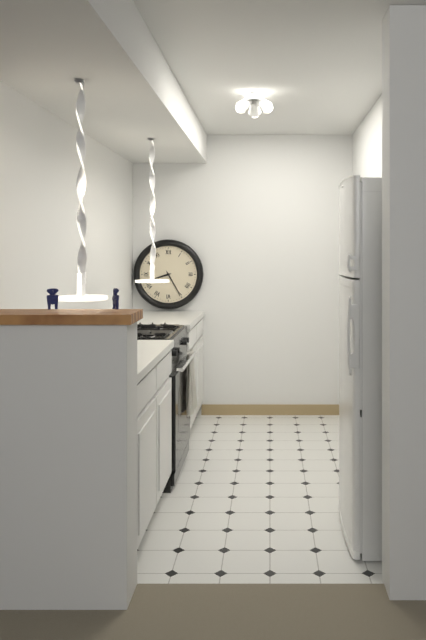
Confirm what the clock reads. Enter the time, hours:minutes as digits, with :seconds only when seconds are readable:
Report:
8:25
